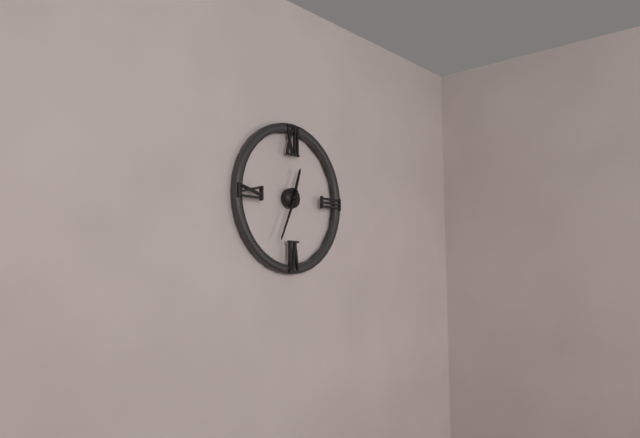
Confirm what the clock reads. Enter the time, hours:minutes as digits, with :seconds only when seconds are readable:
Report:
12:34
